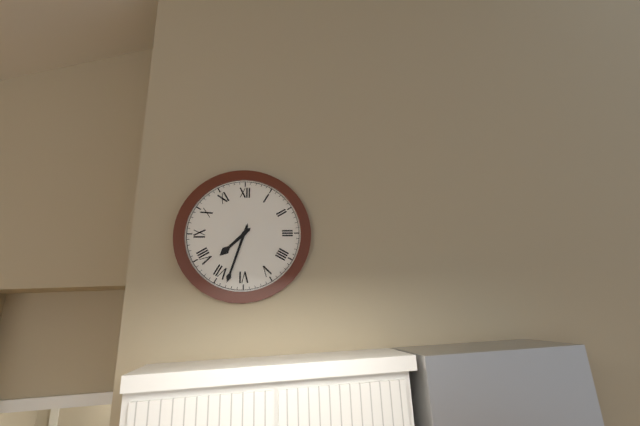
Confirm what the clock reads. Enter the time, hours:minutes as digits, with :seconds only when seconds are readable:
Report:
7:33
